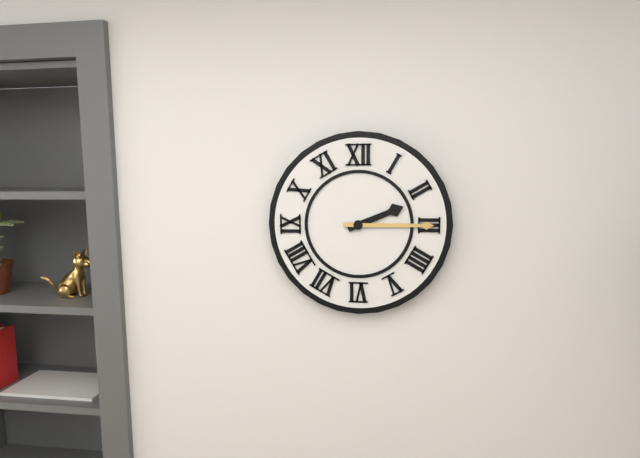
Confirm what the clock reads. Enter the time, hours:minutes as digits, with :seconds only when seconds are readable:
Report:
2:15
